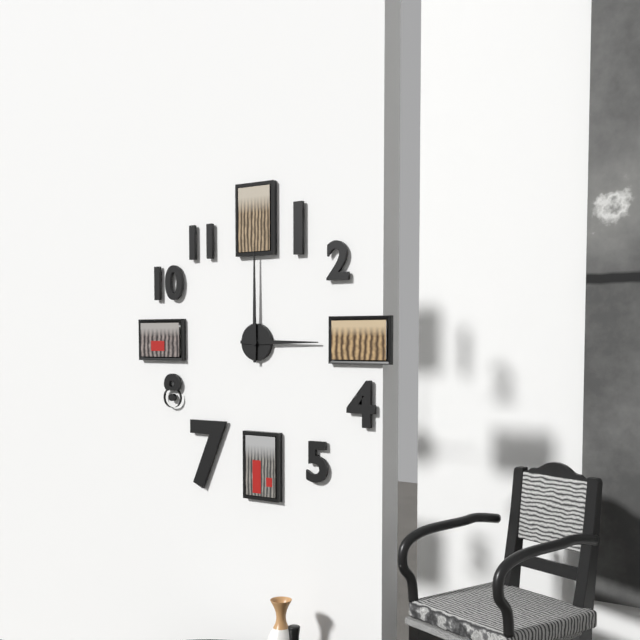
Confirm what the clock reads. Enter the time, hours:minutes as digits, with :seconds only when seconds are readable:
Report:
3:00
